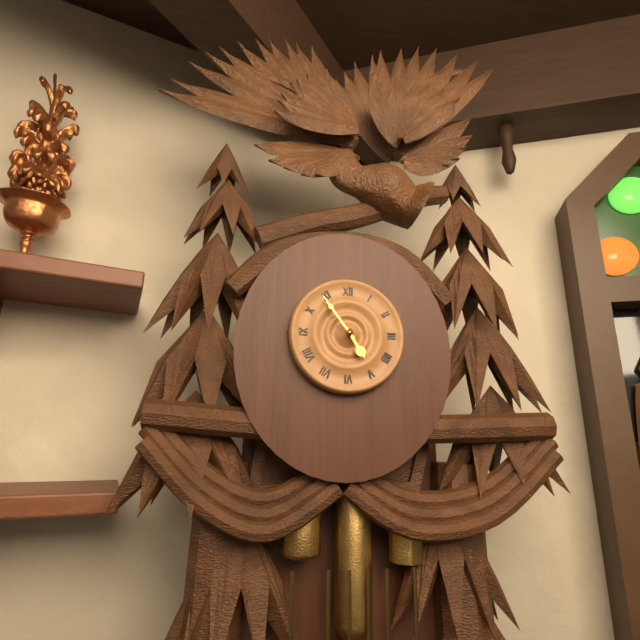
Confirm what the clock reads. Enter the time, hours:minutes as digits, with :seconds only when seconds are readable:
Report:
4:54
